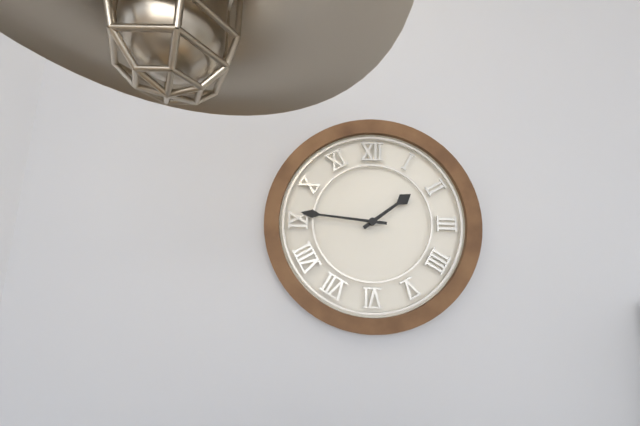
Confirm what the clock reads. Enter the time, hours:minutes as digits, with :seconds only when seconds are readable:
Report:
1:46
